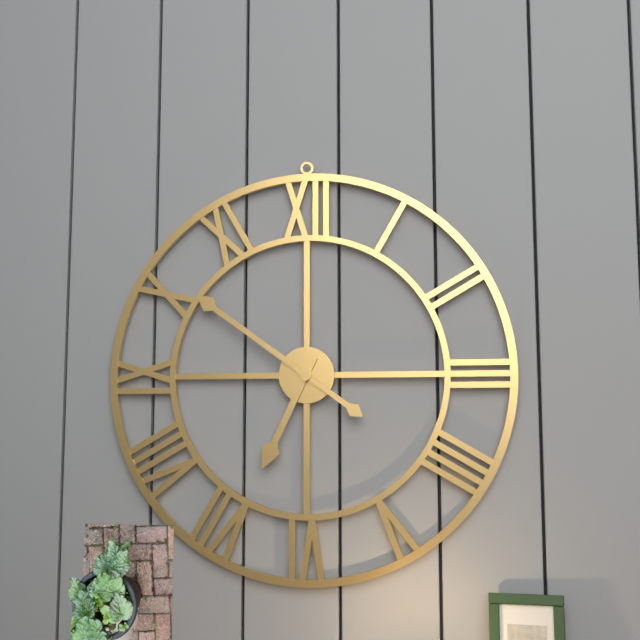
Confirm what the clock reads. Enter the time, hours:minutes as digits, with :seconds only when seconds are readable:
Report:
6:51
